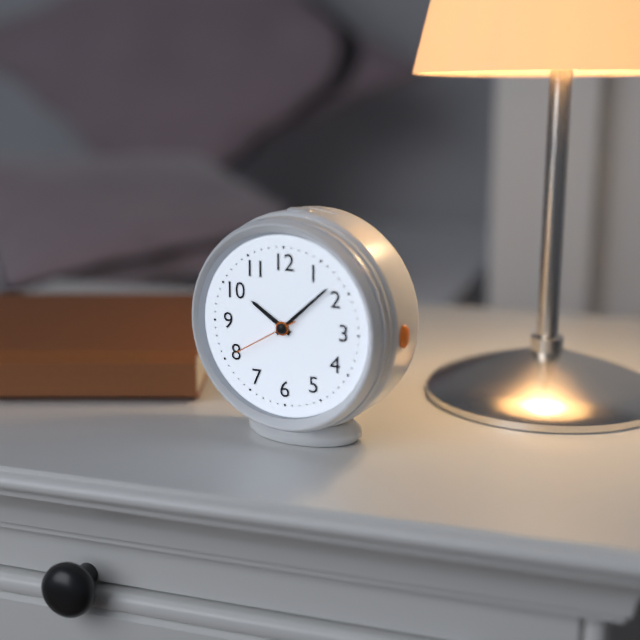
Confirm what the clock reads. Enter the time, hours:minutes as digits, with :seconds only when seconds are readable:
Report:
10:08:40
